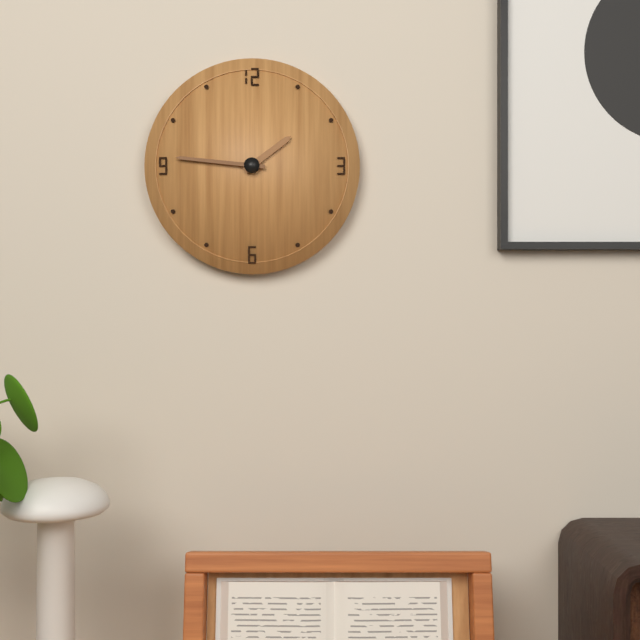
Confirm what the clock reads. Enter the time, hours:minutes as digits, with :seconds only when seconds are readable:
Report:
1:46
